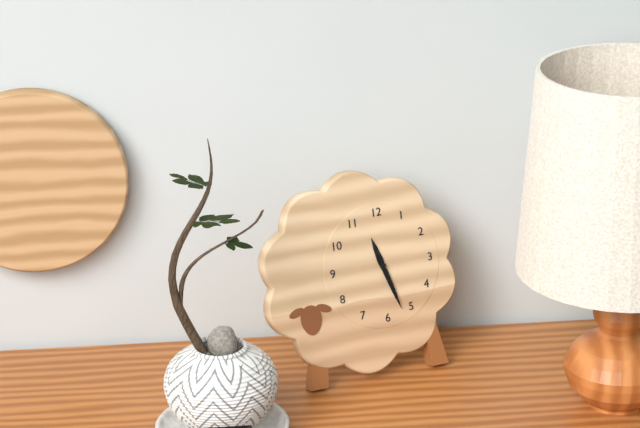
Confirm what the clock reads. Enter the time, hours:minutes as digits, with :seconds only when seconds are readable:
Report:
11:27
